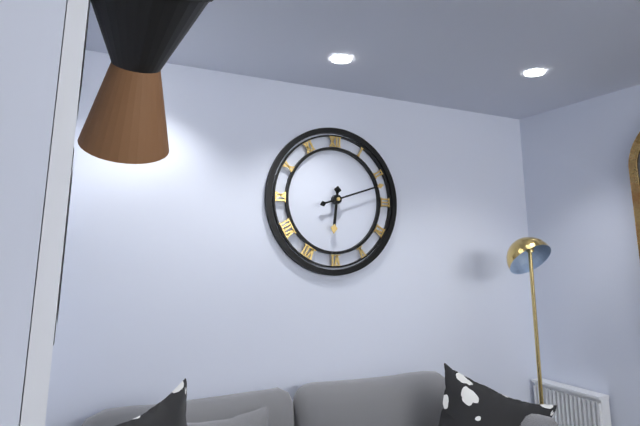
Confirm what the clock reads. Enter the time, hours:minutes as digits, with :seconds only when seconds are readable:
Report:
6:12
